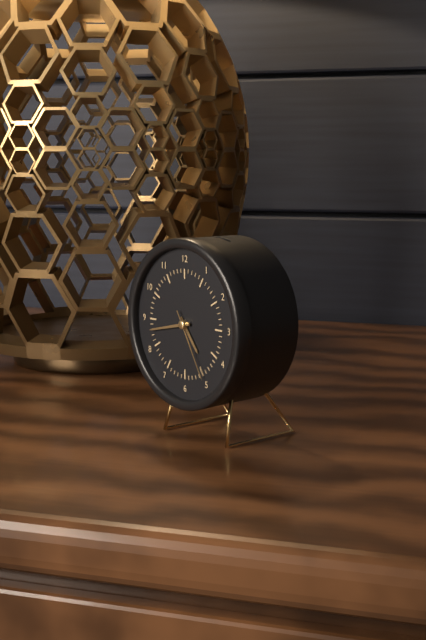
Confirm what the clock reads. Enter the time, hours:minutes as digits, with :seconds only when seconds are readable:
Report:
4:43:25
